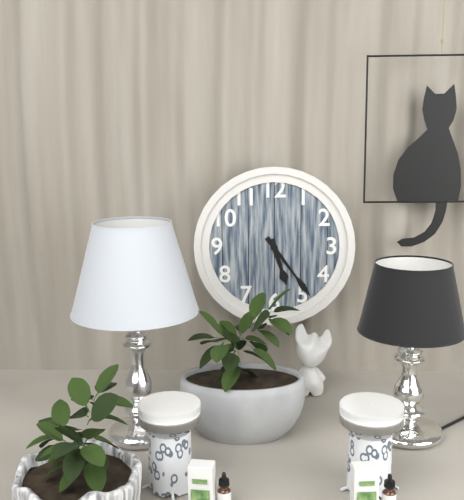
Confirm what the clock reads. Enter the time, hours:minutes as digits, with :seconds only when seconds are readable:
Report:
5:24
